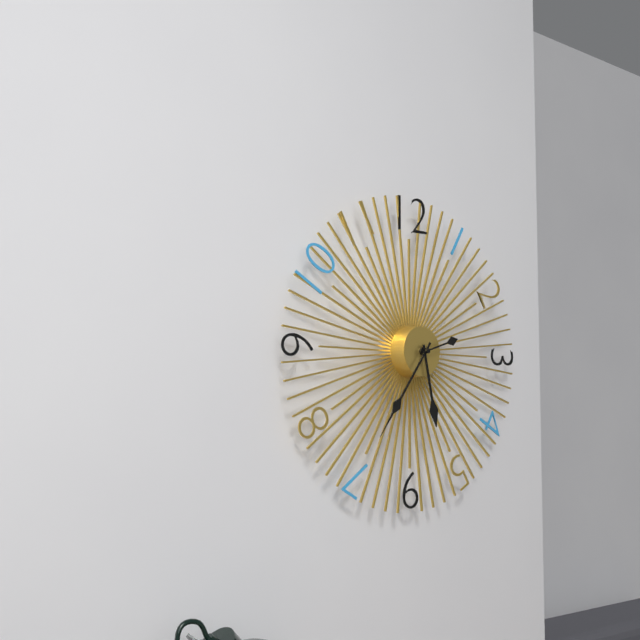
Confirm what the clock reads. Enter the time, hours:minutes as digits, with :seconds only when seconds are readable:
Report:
5:36:12
